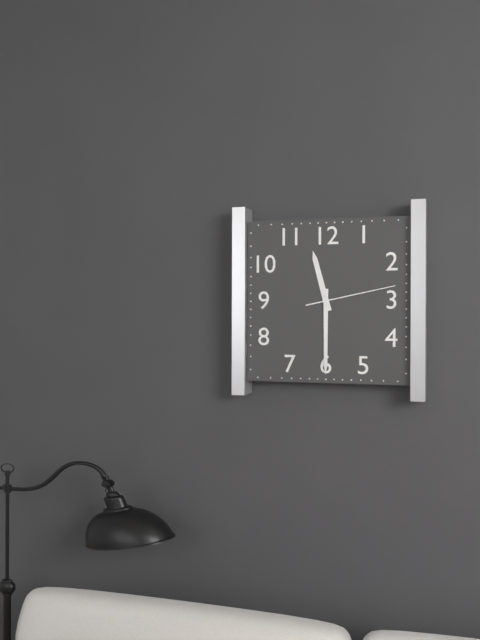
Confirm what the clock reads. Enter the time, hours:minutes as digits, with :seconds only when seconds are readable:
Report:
11:30:13
